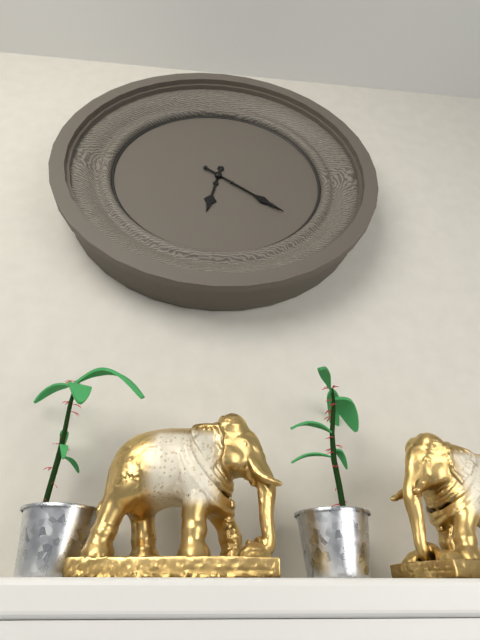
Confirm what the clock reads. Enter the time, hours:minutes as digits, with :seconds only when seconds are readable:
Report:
6:21
